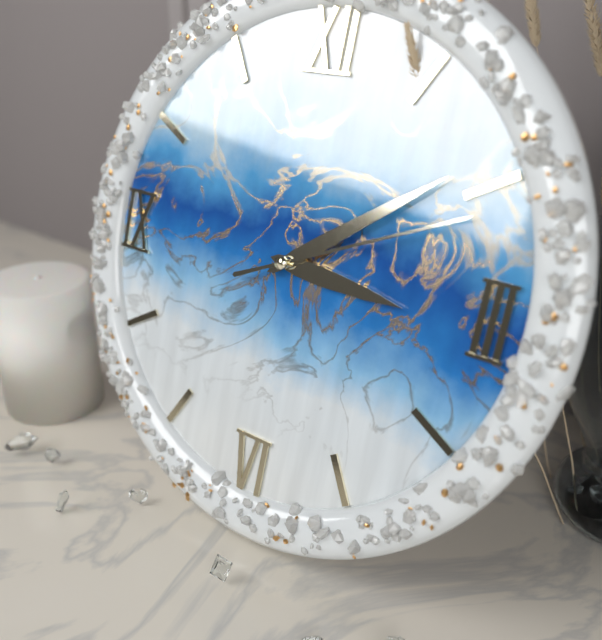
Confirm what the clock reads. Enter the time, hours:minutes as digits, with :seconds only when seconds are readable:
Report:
3:09:11
